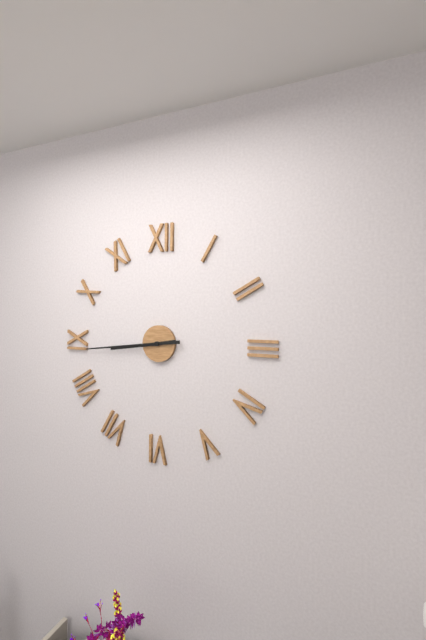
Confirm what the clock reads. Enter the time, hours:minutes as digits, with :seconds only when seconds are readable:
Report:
8:44
